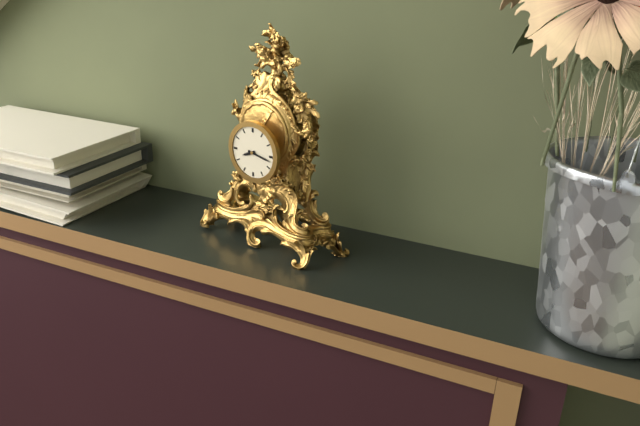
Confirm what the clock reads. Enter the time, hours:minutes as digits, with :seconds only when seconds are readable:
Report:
8:17
